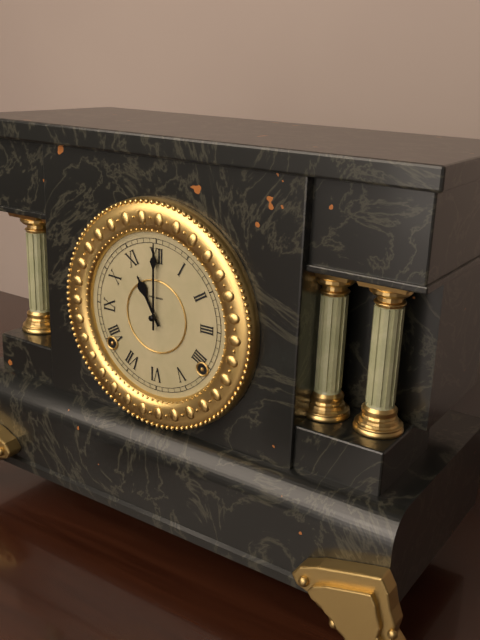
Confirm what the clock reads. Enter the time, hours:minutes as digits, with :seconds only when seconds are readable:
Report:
11:00
